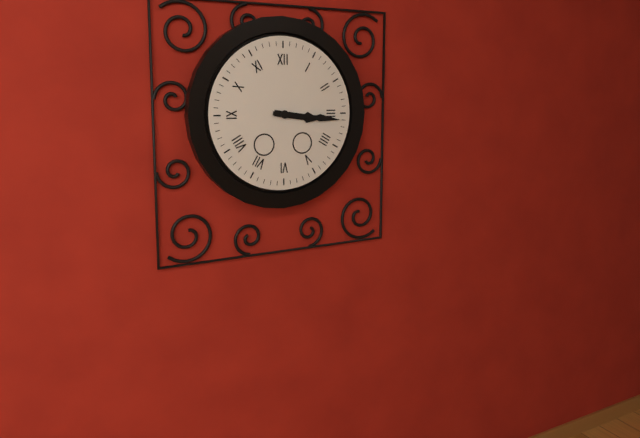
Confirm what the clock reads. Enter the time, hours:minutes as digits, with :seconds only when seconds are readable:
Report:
3:16
